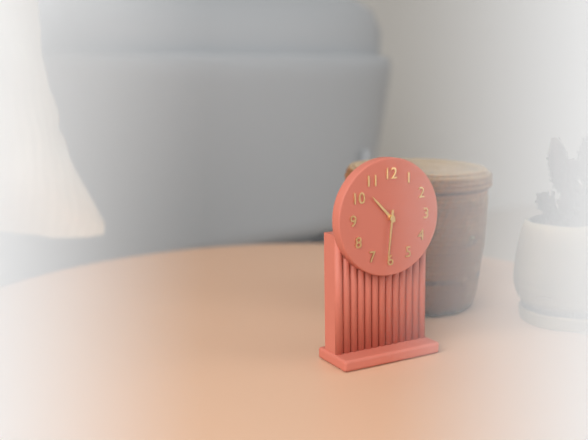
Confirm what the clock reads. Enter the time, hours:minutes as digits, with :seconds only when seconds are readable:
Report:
10:31
